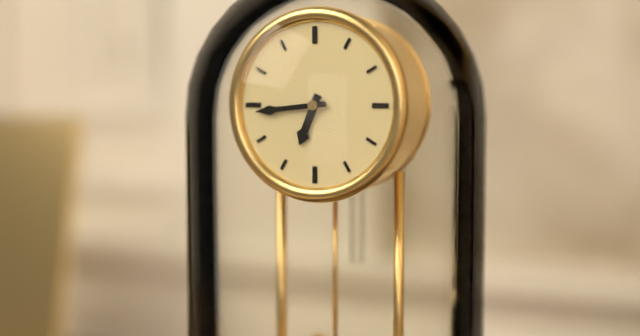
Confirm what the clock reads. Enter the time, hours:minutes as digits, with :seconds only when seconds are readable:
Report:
6:44
